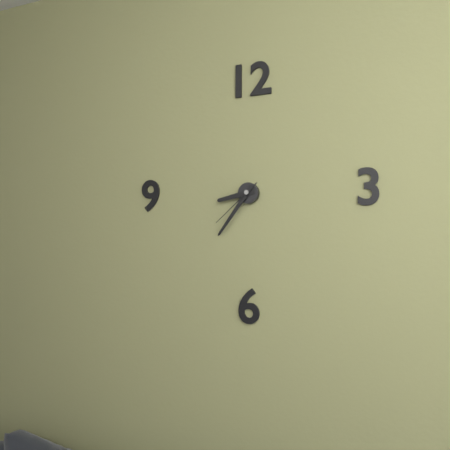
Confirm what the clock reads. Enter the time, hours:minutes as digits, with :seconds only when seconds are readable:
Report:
8:36:38
